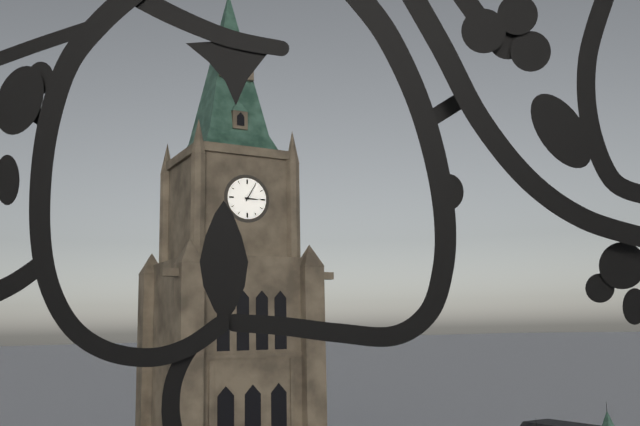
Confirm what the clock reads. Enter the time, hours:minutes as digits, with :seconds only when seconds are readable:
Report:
3:05
